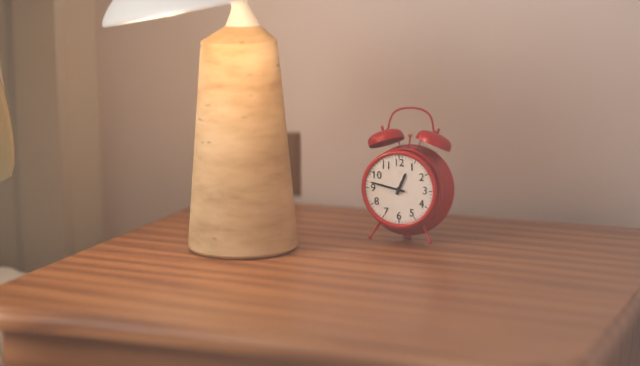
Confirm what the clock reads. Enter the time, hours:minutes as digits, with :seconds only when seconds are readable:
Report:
12:47
